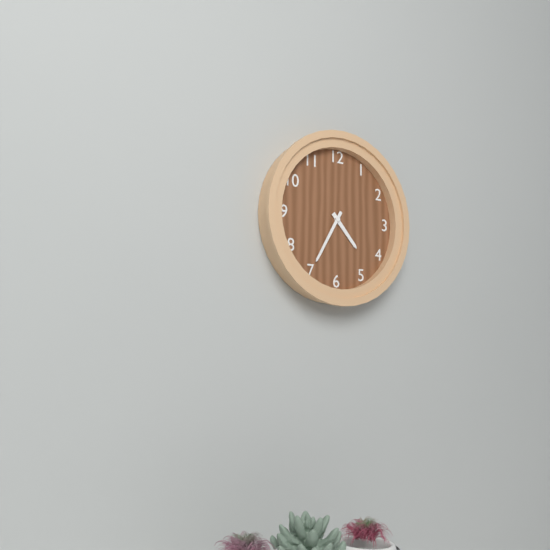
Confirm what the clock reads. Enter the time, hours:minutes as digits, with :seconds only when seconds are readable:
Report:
4:35
